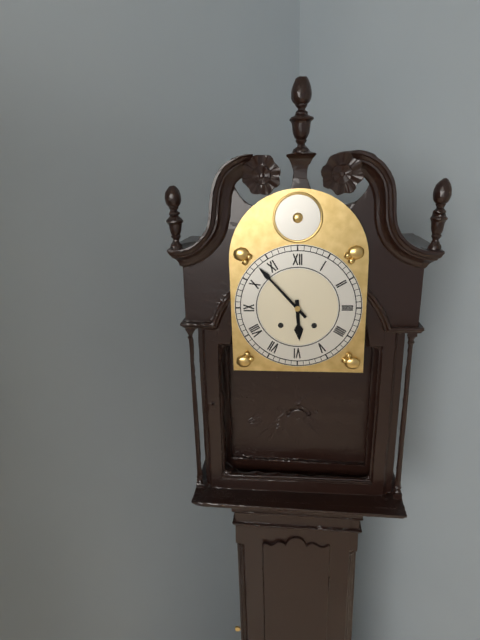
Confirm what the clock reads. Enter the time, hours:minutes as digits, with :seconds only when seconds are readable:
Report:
5:53
